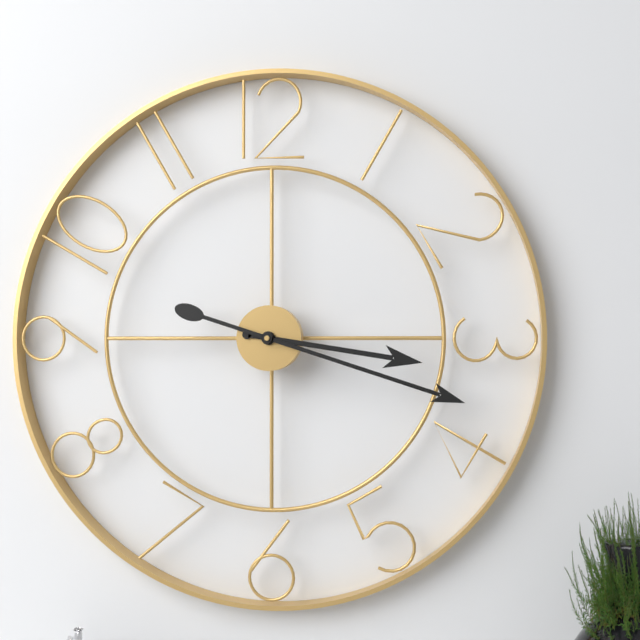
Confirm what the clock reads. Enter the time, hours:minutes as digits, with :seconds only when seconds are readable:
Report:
3:18
